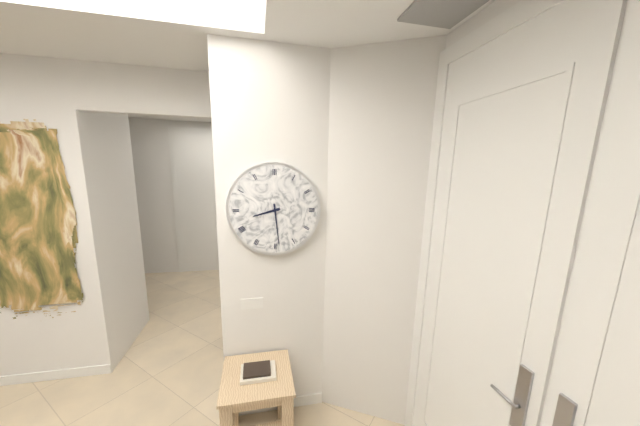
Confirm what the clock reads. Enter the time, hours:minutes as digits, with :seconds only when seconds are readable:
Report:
8:29
